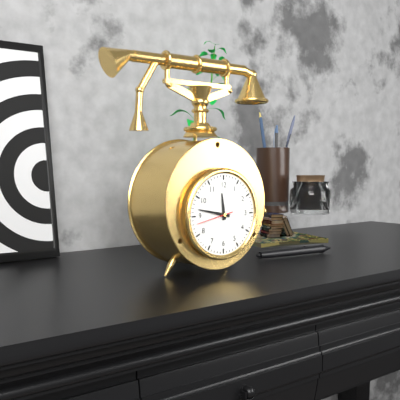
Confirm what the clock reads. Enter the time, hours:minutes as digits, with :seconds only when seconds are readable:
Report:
11:47
